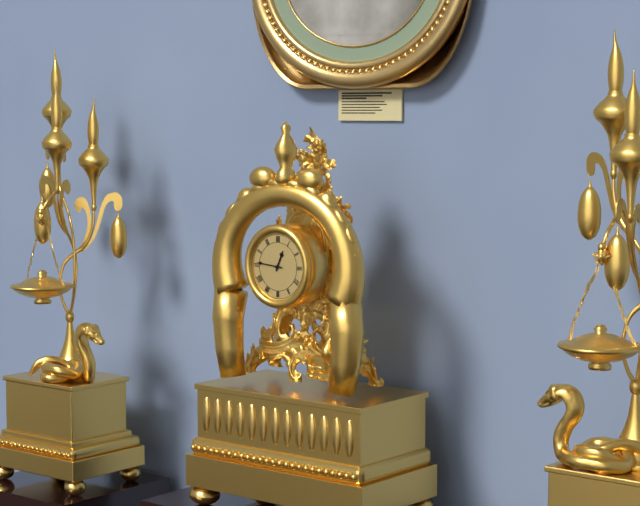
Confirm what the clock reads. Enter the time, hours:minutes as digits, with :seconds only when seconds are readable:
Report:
12:46
